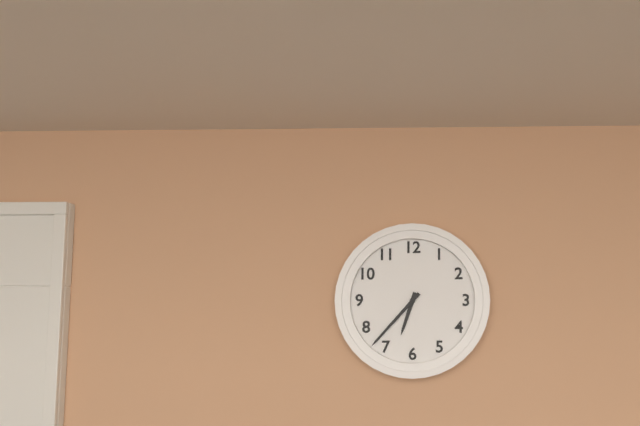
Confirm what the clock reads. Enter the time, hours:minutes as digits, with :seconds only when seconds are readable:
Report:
6:37
